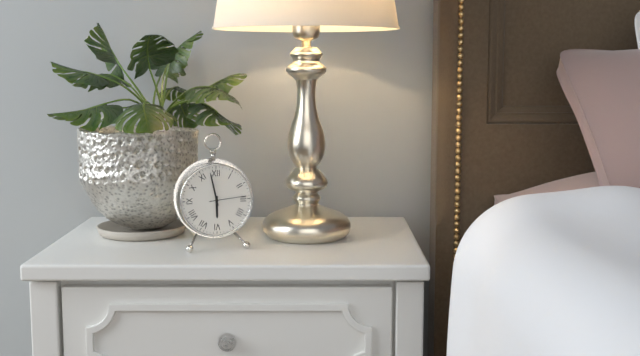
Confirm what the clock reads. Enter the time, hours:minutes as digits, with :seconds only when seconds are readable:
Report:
5:58
